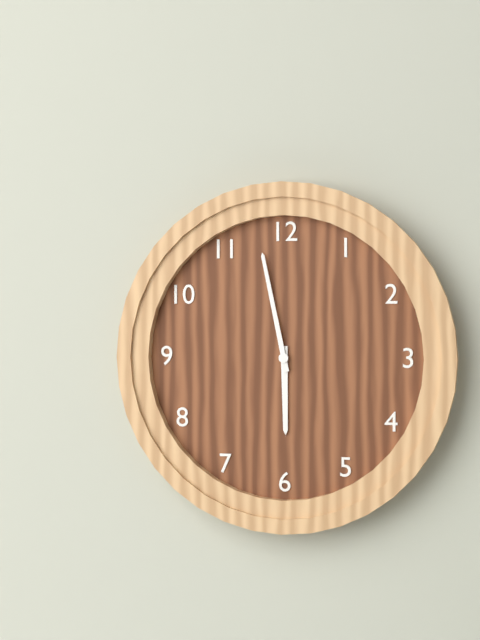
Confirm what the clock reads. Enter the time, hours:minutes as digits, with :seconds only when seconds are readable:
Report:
5:58
